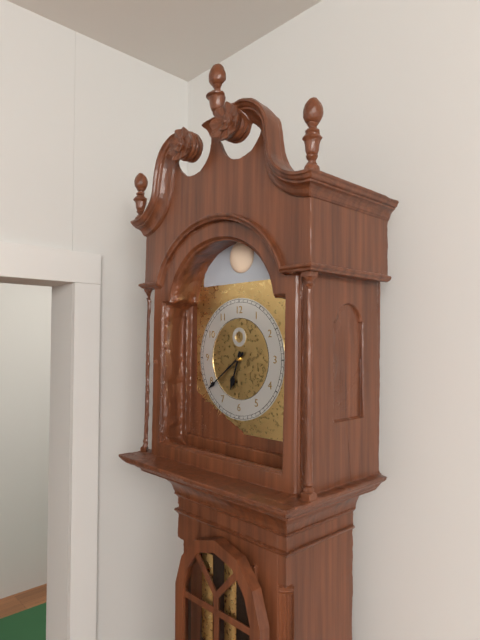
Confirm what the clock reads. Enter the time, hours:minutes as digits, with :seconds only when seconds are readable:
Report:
6:39
